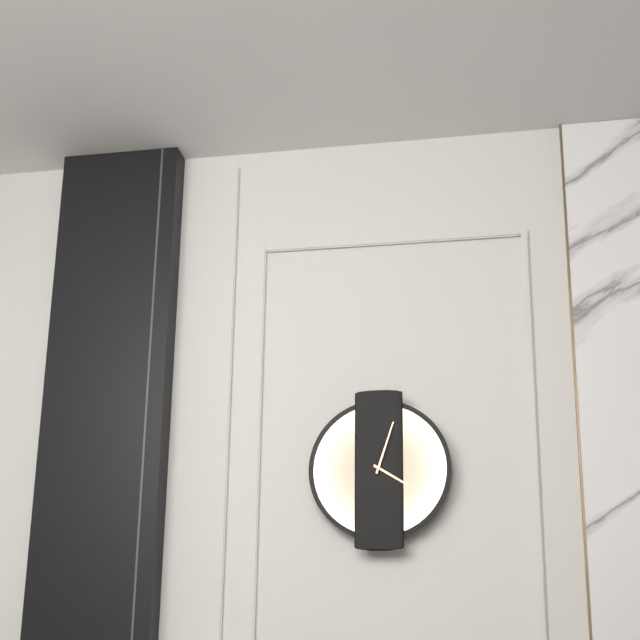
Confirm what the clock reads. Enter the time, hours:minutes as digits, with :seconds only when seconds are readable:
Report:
4:03
